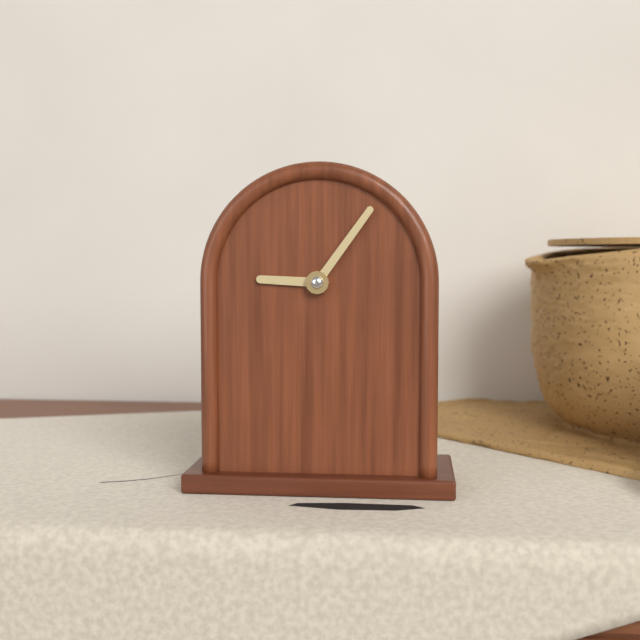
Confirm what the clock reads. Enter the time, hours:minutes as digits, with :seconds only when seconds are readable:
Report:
9:06
